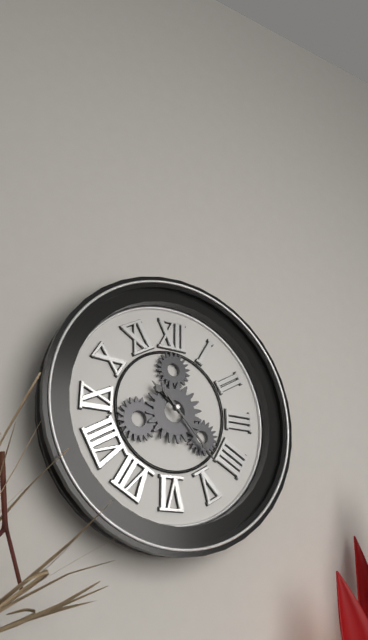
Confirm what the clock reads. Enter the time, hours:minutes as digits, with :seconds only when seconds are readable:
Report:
10:23
